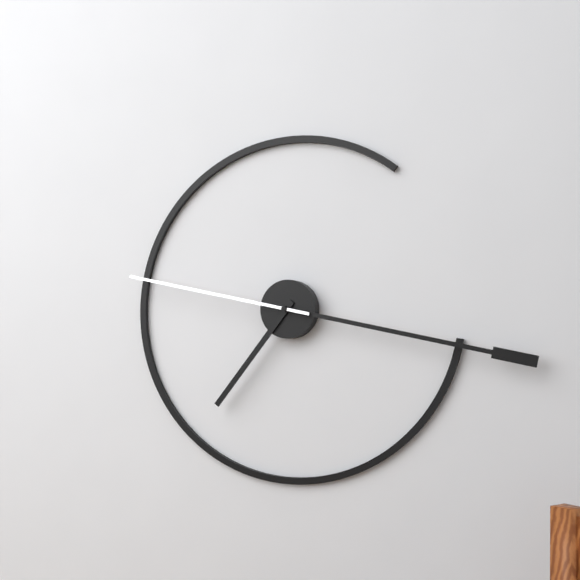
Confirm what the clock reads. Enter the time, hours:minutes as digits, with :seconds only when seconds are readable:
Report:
7:17:47
